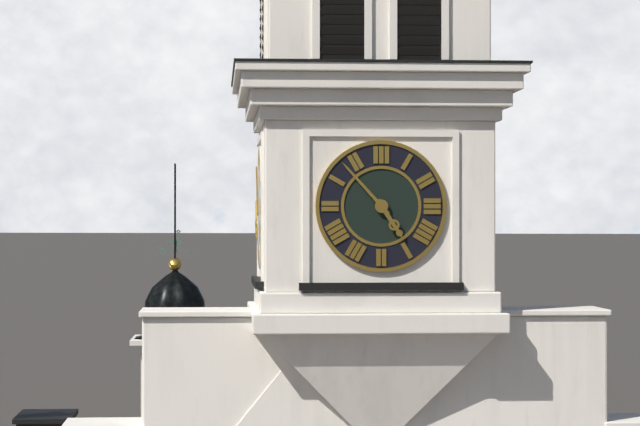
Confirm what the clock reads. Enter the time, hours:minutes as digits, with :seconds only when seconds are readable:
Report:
4:53
